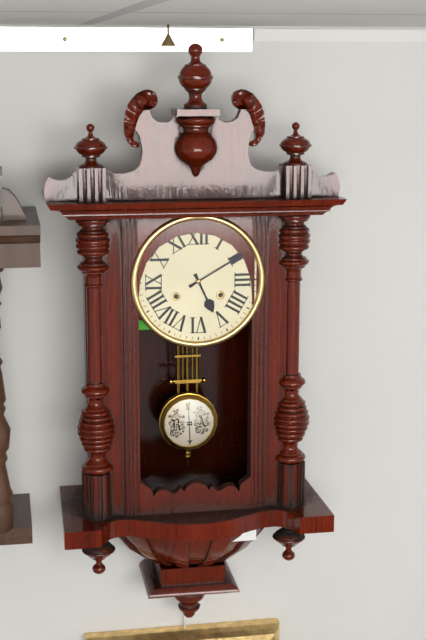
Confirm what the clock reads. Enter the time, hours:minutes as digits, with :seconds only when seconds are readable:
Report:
5:10
